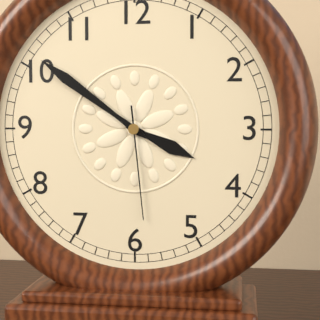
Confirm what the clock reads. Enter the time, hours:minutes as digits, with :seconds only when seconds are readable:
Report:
3:51:29
